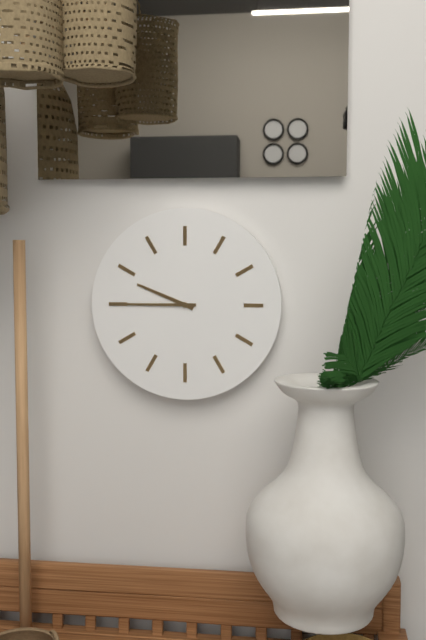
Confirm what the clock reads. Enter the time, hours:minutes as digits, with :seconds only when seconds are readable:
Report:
9:45
